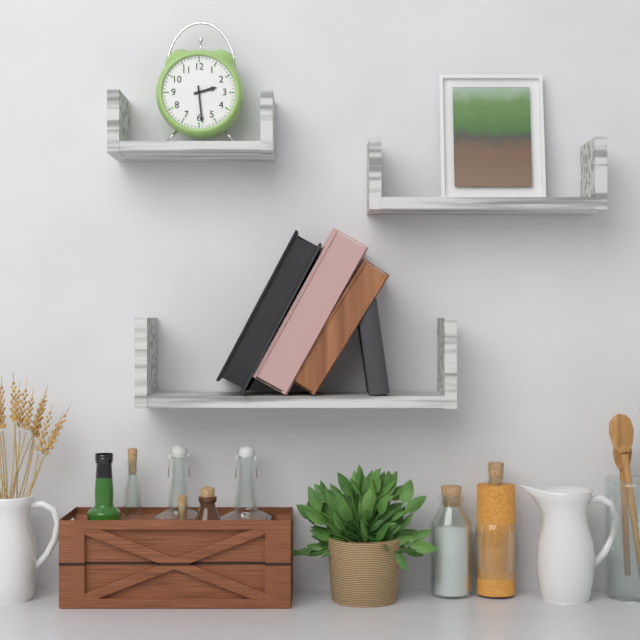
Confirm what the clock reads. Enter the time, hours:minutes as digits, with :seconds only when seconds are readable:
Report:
2:29
